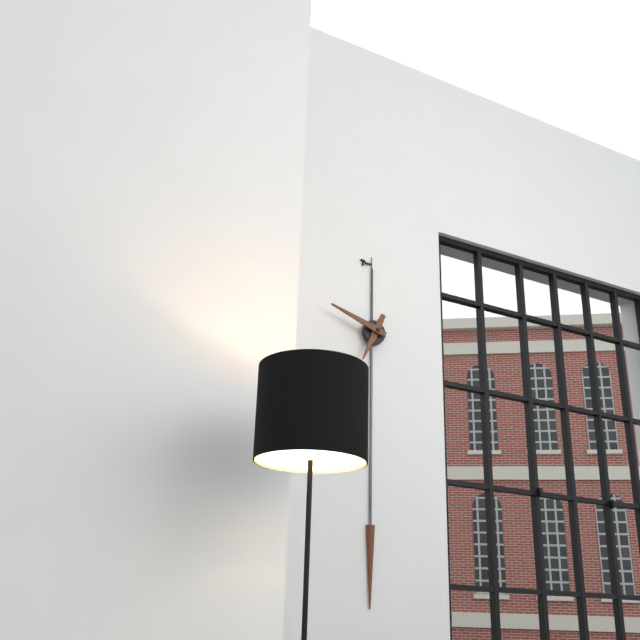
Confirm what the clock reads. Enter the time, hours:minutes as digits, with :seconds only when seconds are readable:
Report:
6:48
